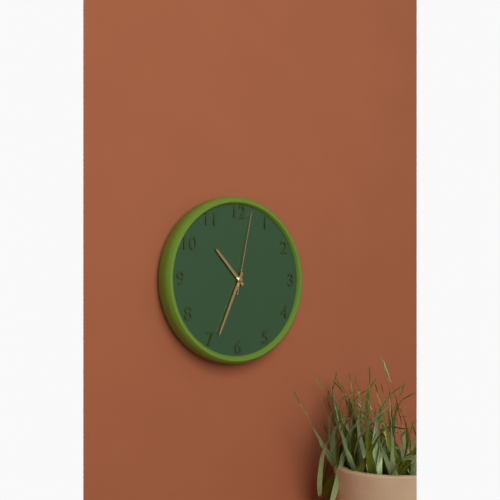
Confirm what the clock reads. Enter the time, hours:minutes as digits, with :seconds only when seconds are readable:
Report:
10:34:02
